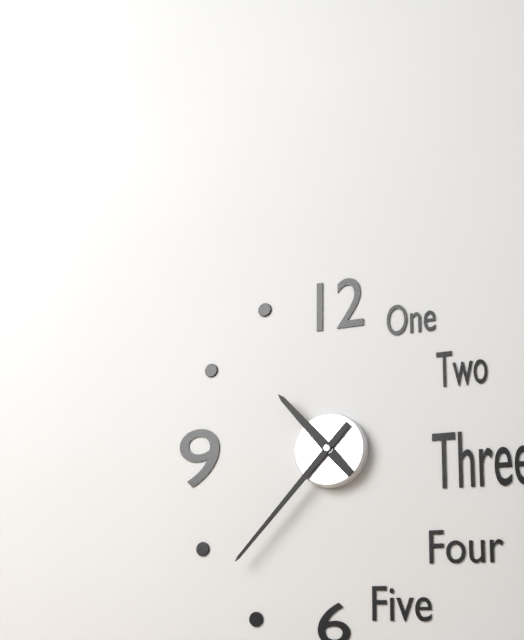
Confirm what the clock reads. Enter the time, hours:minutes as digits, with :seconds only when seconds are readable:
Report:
10:37
